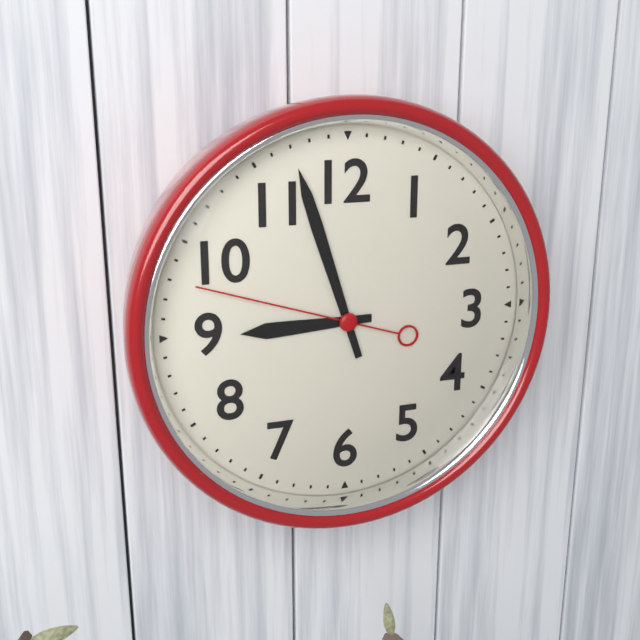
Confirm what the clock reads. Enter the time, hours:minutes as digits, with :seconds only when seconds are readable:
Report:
8:57:48
